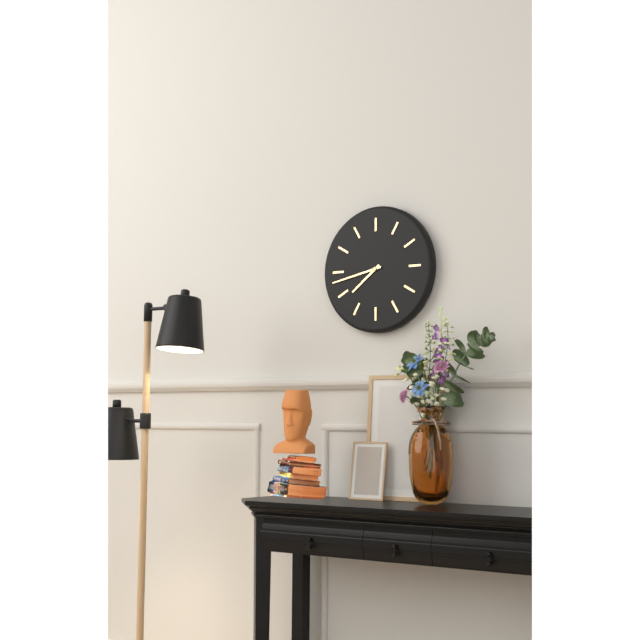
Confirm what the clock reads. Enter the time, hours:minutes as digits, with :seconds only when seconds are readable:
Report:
7:43
